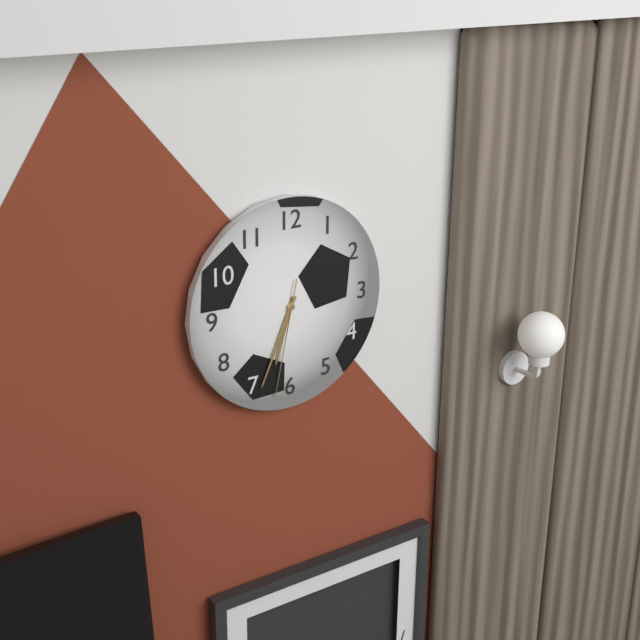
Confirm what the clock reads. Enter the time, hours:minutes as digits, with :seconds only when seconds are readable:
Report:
6:34:32
